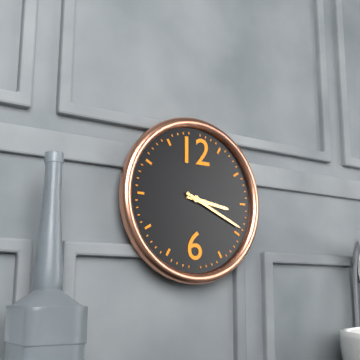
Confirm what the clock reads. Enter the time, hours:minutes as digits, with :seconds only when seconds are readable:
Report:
3:19
